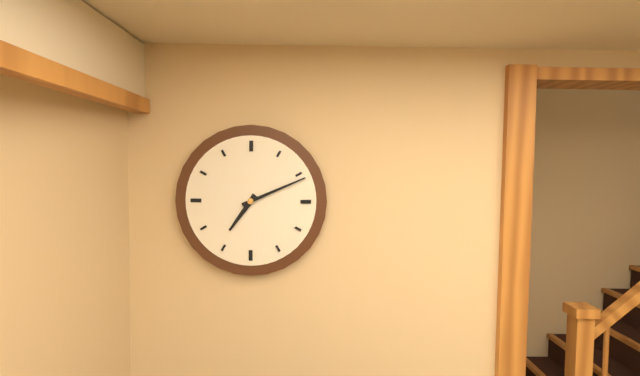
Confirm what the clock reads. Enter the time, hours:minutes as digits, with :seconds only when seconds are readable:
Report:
7:11
